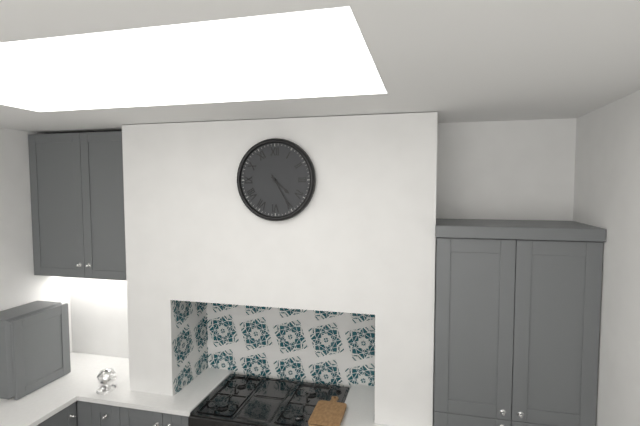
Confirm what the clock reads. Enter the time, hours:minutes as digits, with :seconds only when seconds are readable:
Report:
4:25
